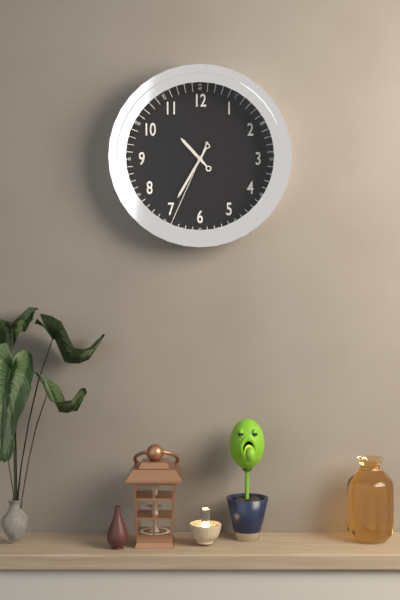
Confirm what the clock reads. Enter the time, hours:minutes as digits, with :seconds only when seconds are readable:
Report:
10:35:34
